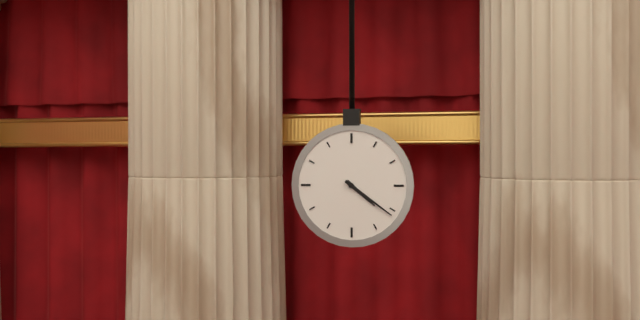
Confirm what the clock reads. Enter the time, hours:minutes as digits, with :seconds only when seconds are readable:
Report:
4:21
